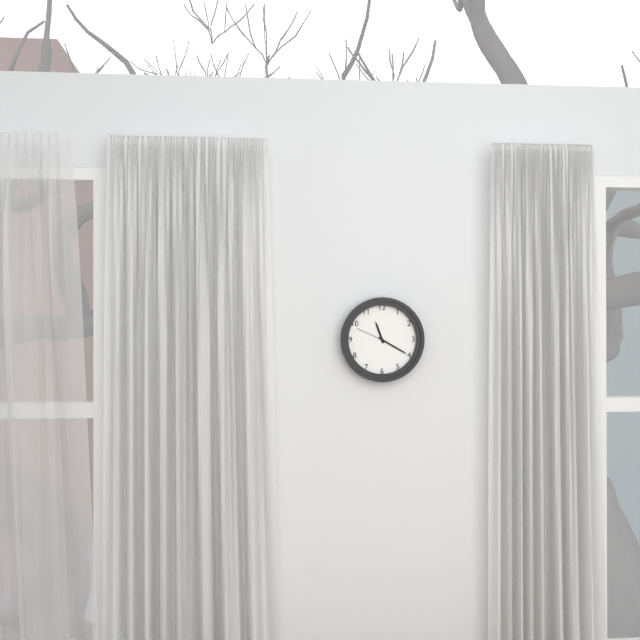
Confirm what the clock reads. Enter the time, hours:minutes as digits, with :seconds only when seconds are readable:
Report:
11:20
